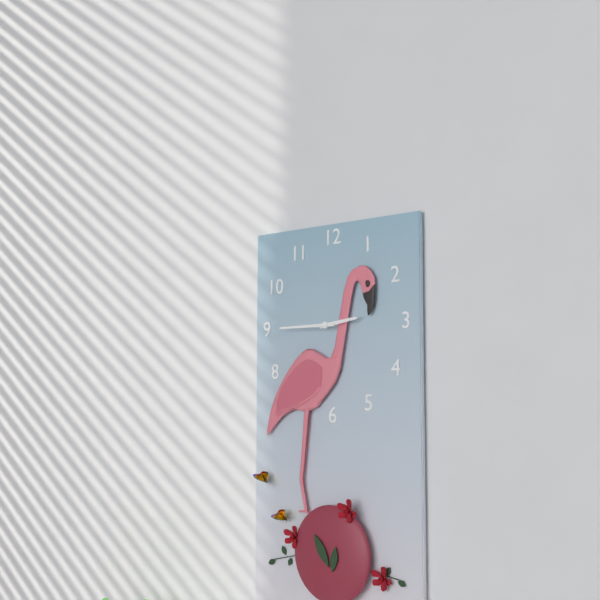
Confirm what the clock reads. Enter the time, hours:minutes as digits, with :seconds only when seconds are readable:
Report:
2:45
